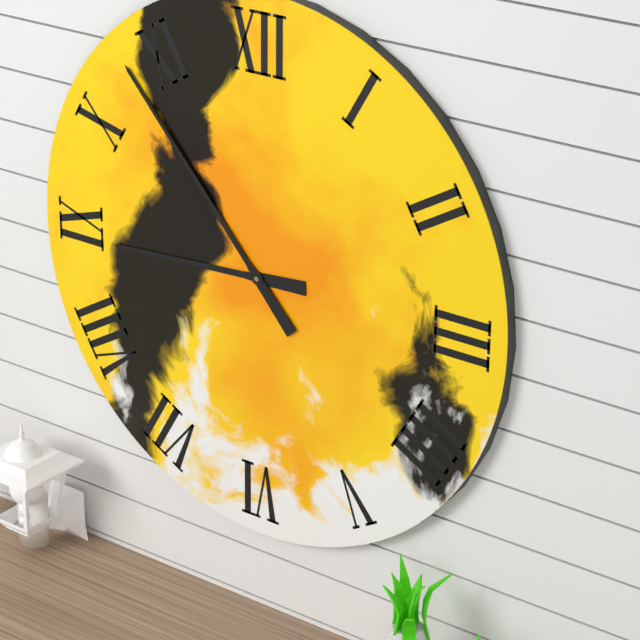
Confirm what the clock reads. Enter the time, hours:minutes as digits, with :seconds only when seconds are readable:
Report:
8:53
